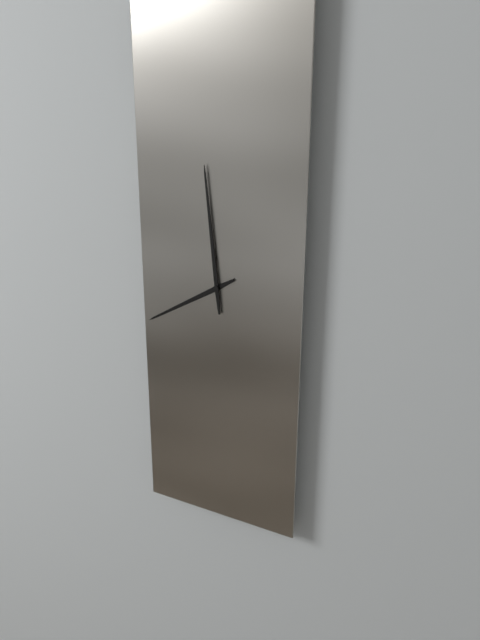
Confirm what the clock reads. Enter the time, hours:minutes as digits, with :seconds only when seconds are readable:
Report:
7:59
